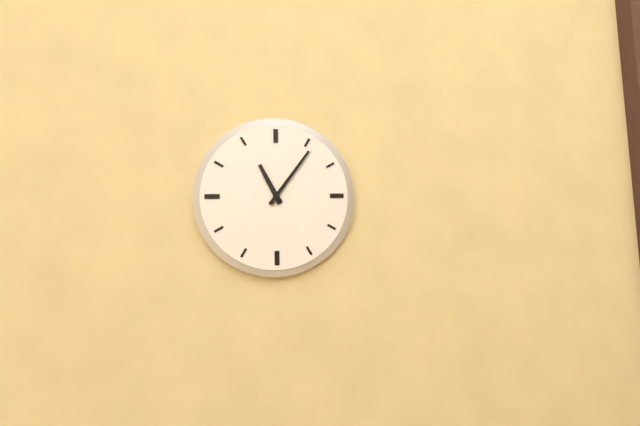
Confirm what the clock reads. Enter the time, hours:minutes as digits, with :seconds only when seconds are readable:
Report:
11:06
